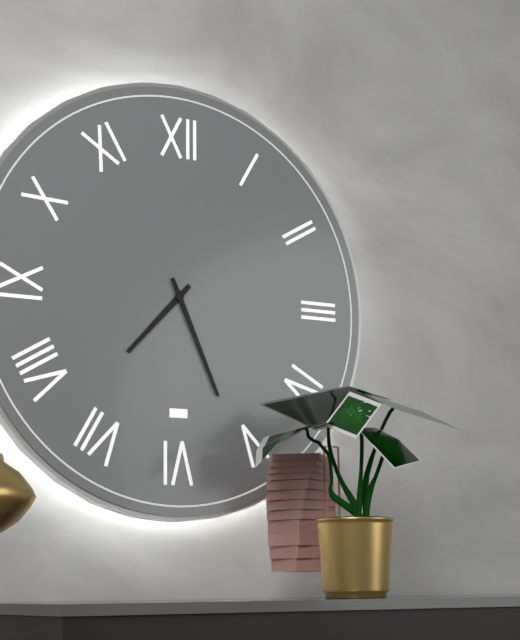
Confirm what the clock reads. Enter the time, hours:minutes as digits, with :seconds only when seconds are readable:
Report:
7:26
